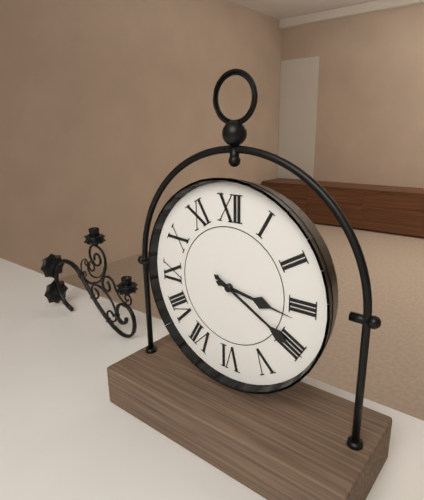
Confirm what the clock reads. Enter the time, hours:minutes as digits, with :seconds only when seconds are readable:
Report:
3:20
